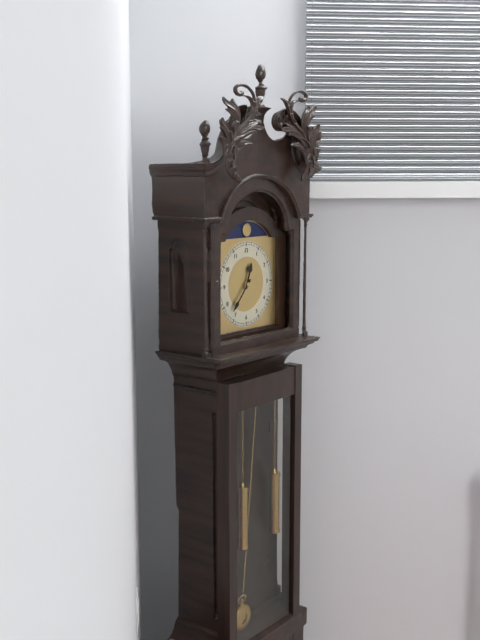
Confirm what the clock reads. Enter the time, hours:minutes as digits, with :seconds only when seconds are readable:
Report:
12:37
